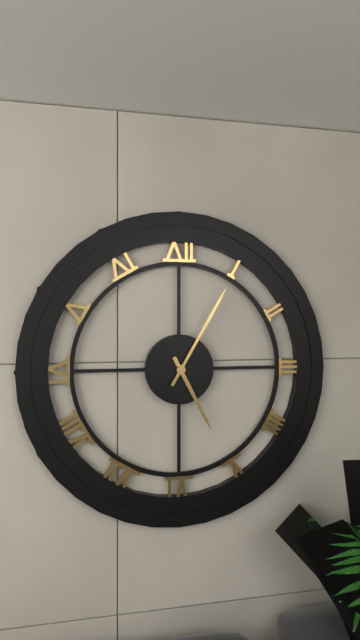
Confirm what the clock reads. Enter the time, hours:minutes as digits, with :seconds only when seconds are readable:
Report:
5:05
